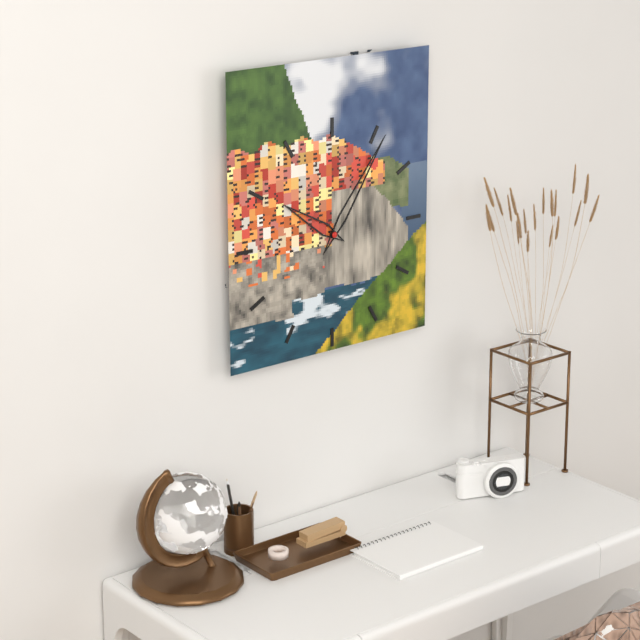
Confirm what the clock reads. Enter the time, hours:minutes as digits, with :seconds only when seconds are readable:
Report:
10:06
